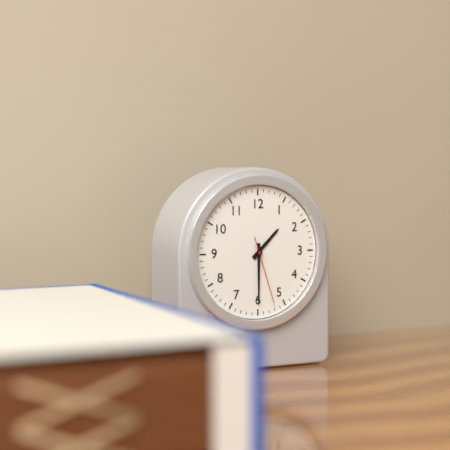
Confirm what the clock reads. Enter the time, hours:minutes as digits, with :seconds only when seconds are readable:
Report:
1:30:27
